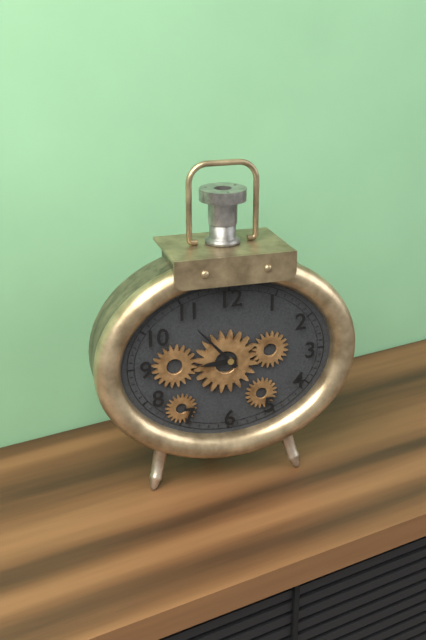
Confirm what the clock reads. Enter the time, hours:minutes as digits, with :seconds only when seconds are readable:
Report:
8:53
